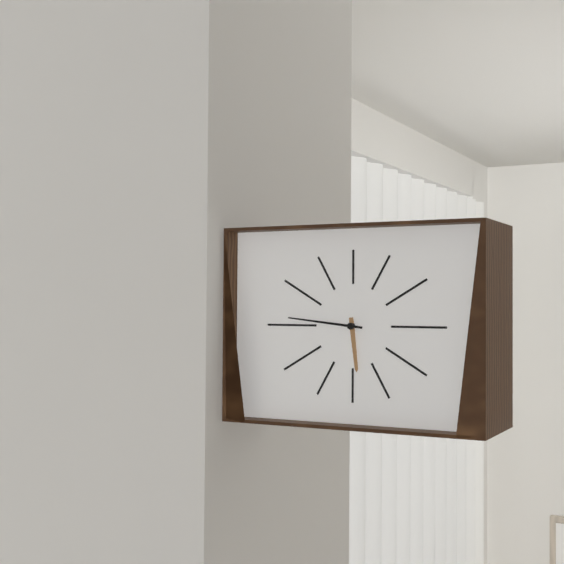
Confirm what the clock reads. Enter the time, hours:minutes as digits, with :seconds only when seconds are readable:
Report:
5:46
